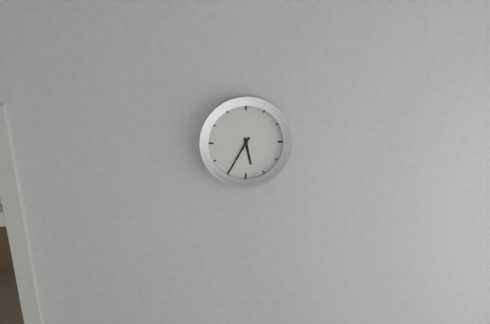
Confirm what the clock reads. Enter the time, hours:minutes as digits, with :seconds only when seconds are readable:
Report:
5:35
